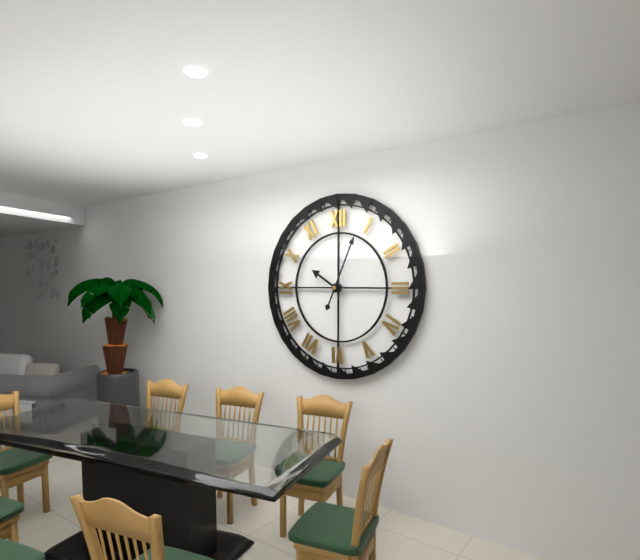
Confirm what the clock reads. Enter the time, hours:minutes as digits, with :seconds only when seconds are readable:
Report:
10:04
